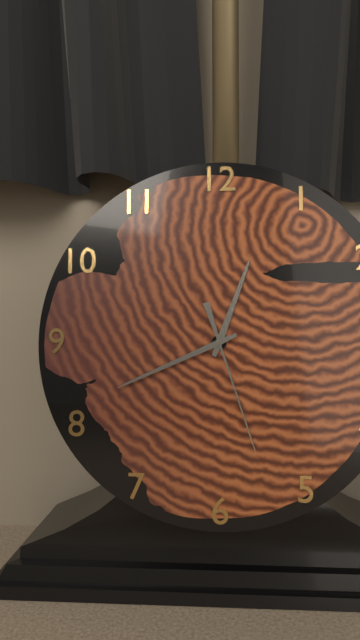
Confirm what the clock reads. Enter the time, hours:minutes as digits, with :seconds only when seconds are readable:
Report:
12:41:27
